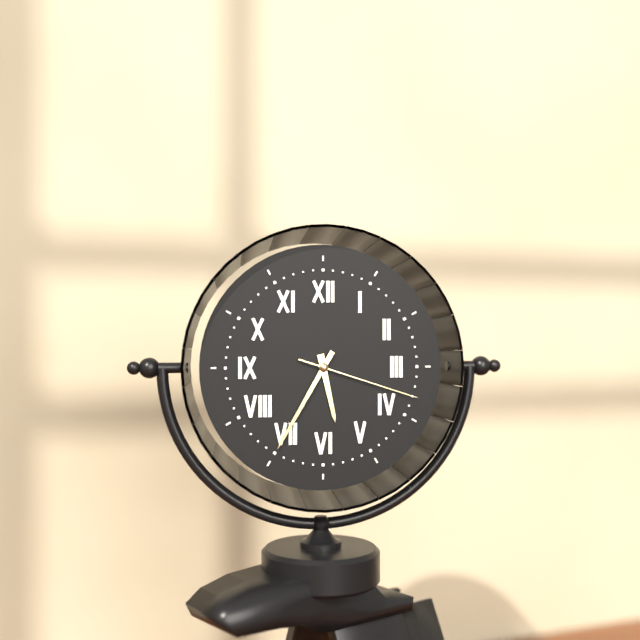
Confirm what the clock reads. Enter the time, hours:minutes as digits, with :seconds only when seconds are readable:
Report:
5:35:18
